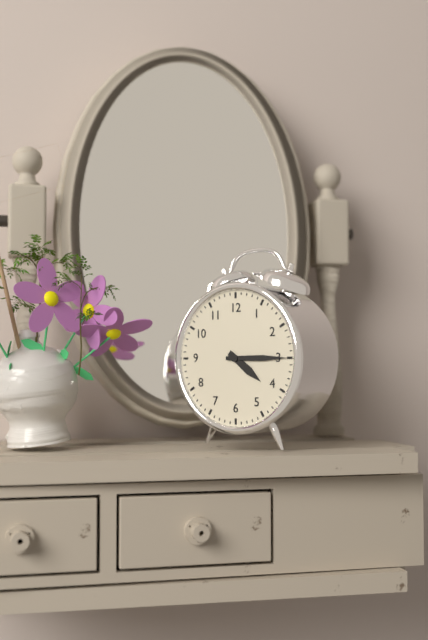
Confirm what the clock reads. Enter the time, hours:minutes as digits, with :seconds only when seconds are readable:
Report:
4:15
